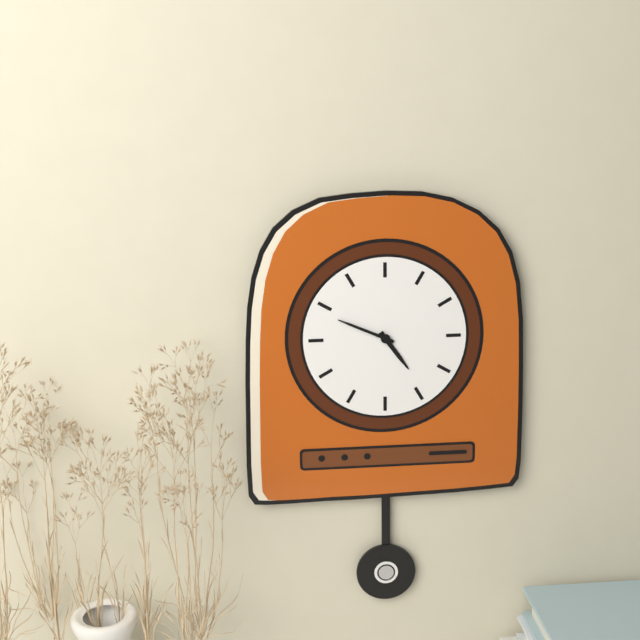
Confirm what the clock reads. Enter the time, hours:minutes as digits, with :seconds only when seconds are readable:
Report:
4:49
